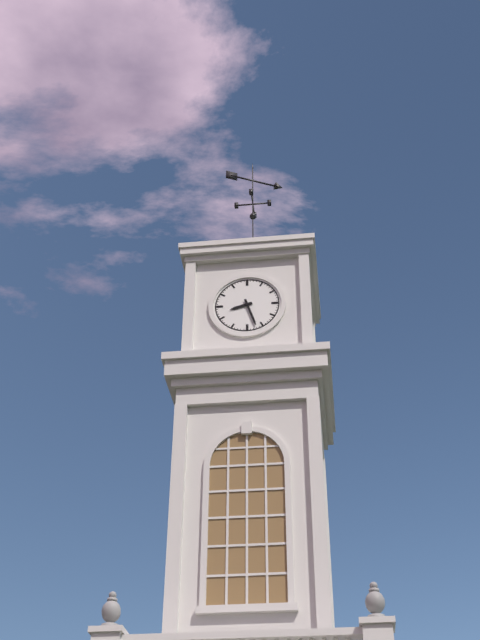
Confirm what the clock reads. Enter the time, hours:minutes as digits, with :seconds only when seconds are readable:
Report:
8:27
